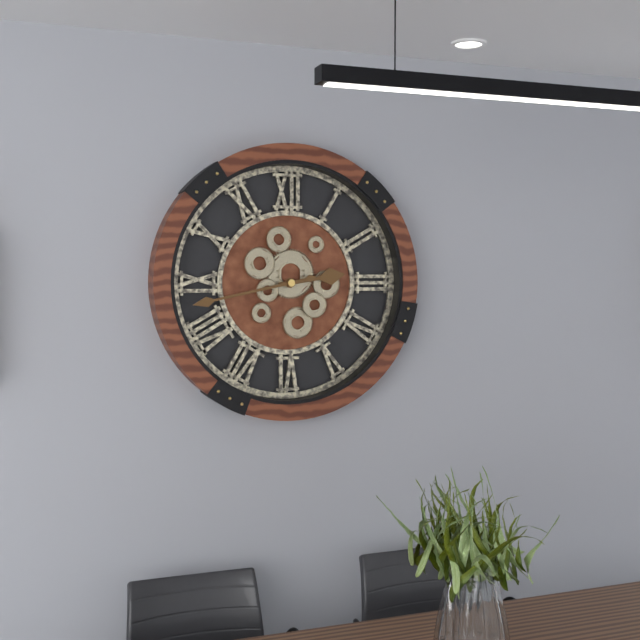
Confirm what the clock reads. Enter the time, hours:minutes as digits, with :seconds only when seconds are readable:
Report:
2:43
